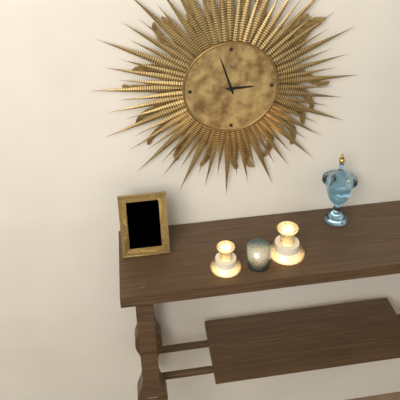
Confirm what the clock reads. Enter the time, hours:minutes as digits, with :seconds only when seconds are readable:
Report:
2:57
